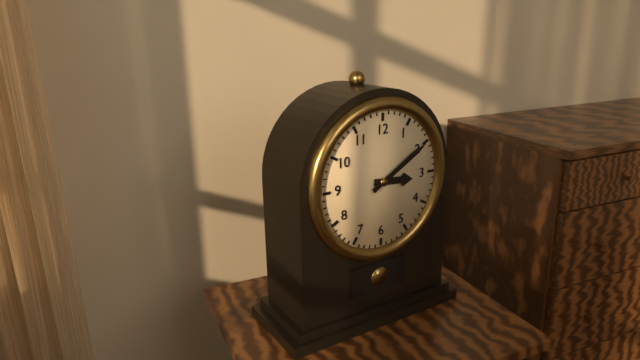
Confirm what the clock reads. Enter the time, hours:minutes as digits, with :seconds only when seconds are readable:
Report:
3:10
